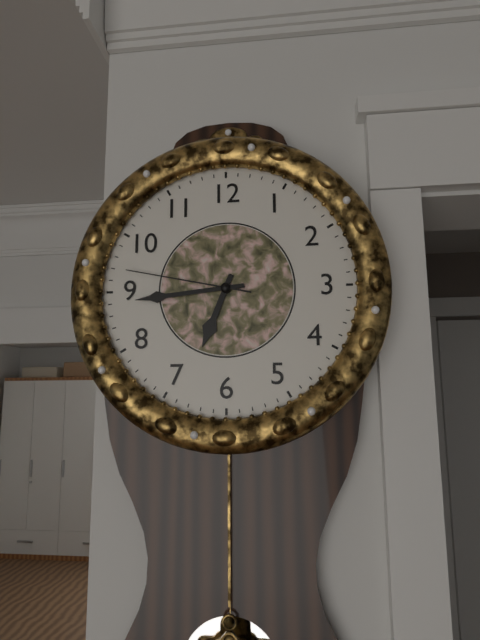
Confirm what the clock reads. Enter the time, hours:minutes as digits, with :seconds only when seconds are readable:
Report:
6:44:47
